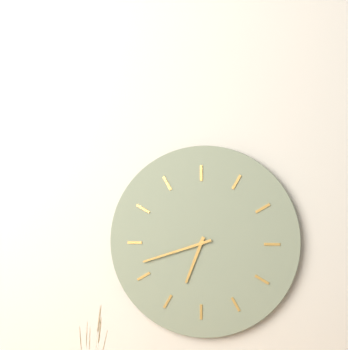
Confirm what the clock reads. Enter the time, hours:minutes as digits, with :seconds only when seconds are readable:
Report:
6:42
